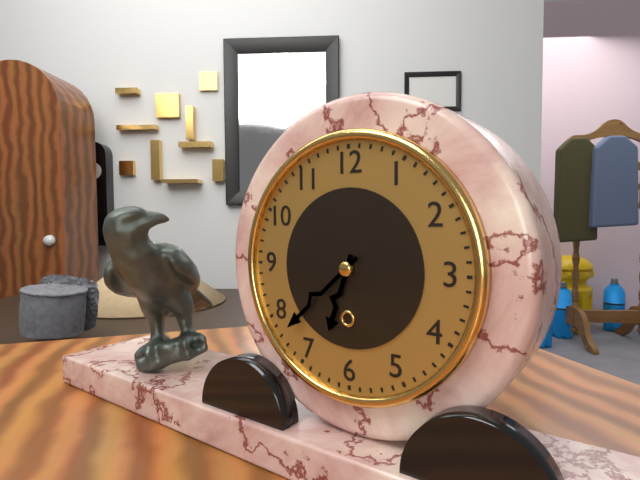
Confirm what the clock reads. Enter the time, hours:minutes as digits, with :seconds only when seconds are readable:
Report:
6:38
